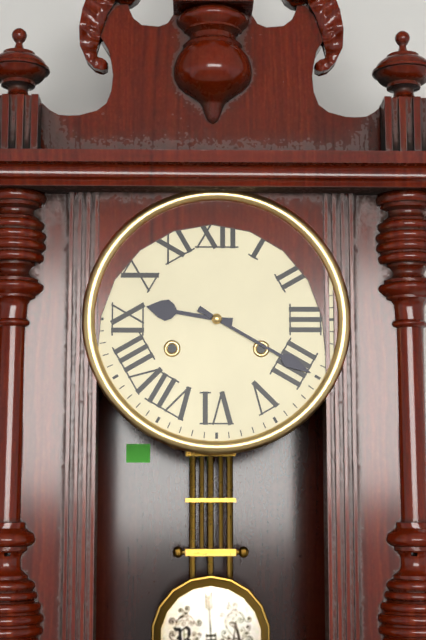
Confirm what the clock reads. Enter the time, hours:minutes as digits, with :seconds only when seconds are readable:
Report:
9:20
